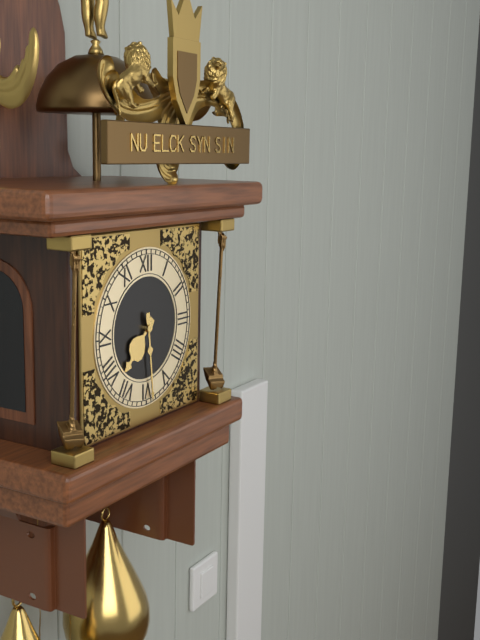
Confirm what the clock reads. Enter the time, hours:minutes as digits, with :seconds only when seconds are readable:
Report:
7:29
